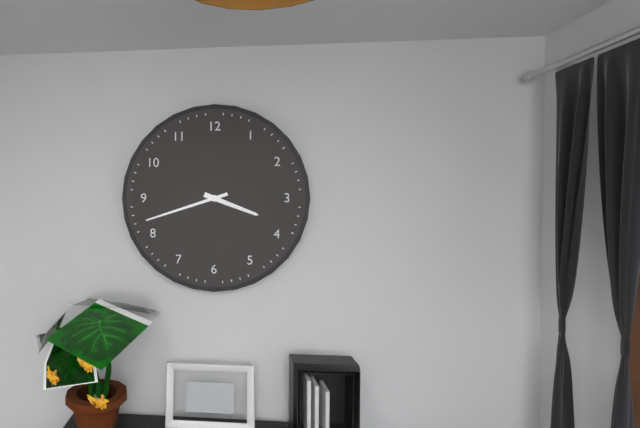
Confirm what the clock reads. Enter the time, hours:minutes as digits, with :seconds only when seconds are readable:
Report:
3:42
